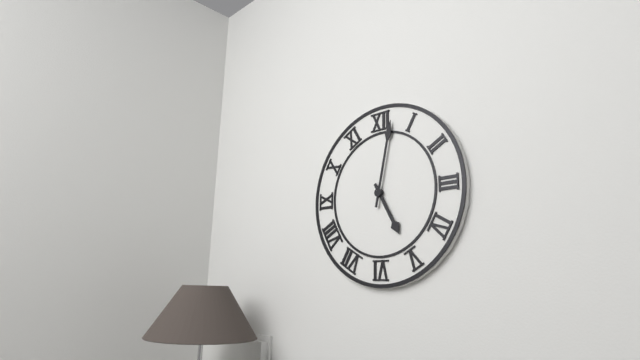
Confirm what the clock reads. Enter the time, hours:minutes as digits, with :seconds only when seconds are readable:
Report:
5:02
